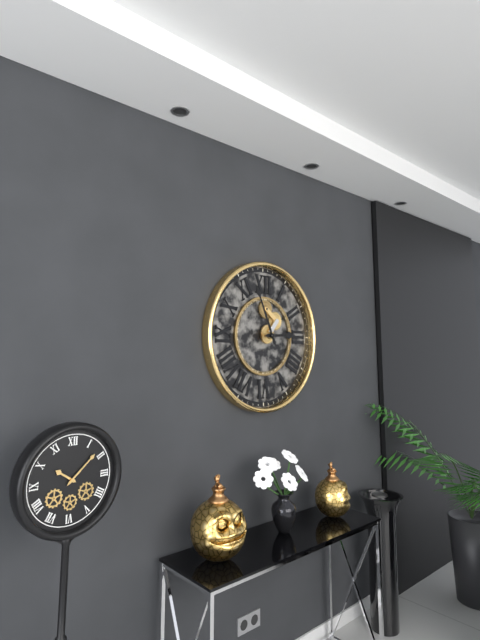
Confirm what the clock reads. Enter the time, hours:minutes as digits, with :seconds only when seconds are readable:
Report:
2:56
